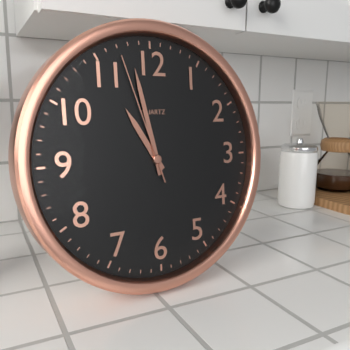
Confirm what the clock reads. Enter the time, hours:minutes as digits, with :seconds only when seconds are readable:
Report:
10:58:57
